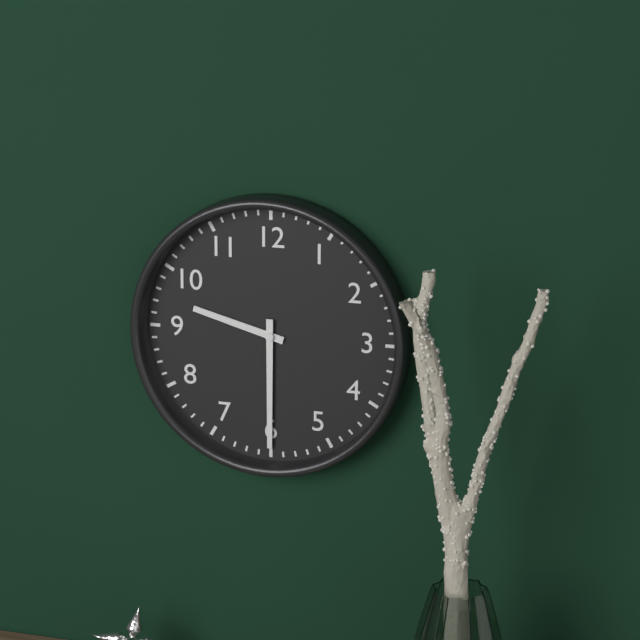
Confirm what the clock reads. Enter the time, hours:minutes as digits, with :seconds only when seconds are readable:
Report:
9:30
